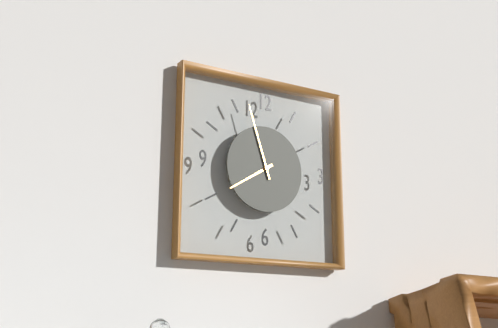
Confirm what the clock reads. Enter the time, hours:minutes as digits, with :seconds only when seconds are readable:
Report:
7:57
